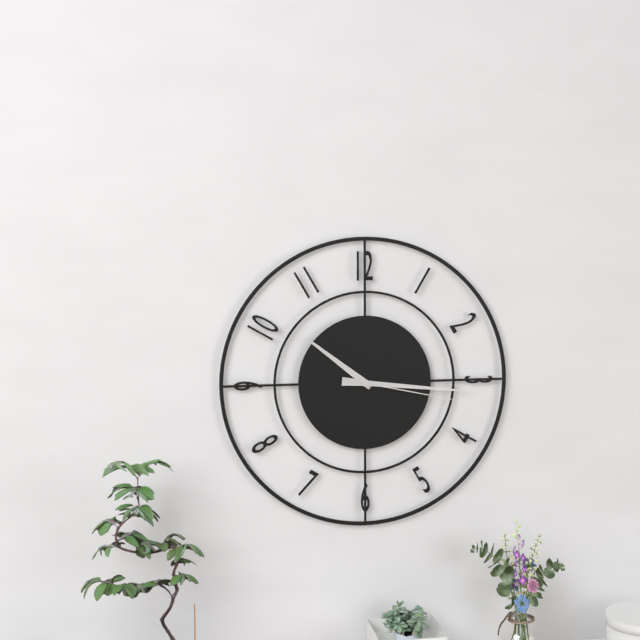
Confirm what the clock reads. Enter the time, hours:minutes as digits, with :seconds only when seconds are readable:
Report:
10:16:17
